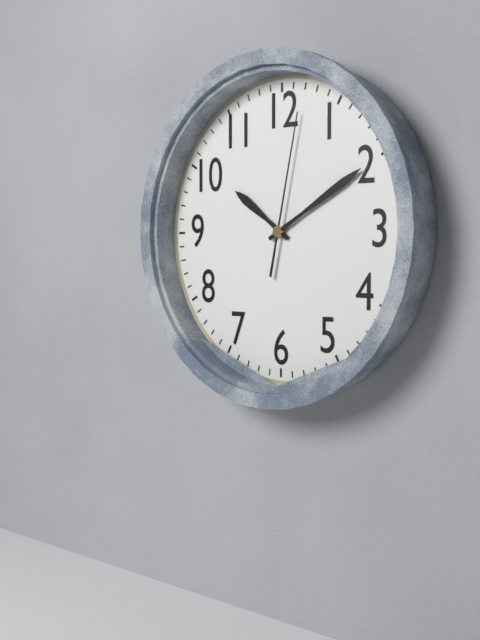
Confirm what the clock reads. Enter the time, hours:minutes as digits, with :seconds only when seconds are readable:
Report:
10:10:02
